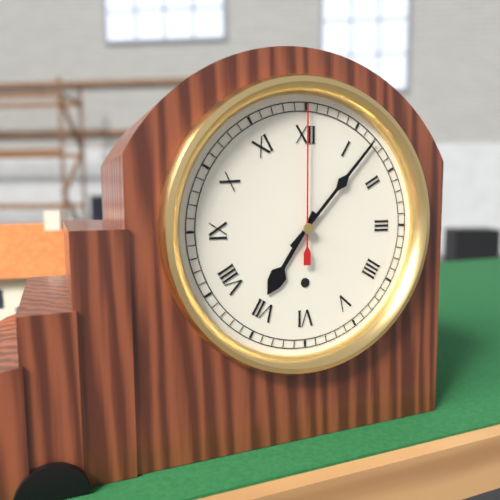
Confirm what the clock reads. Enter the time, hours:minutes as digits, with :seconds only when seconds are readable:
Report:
7:07:00
